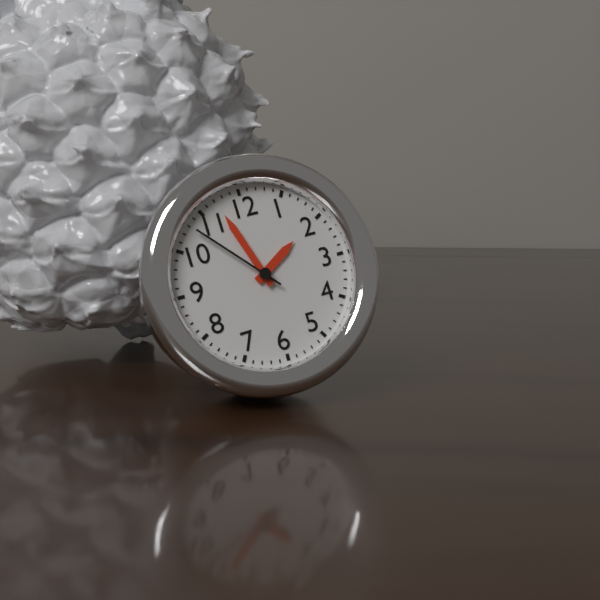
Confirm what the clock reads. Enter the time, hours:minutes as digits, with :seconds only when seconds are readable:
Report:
1:57:53
